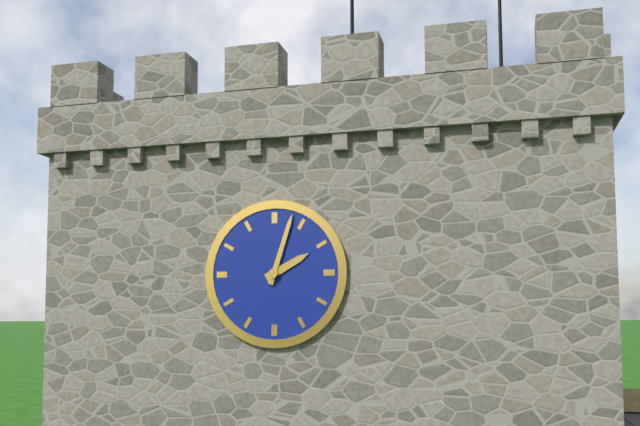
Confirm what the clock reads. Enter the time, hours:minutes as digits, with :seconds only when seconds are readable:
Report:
2:03
